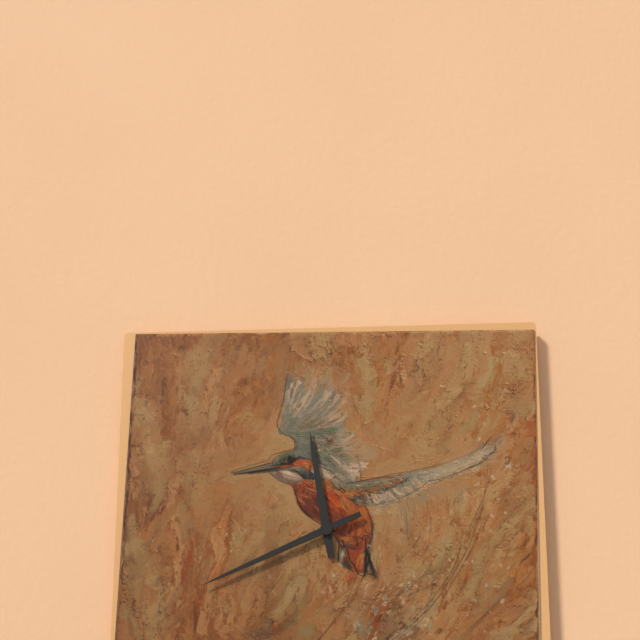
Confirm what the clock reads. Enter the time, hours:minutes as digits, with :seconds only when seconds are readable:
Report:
11:41
